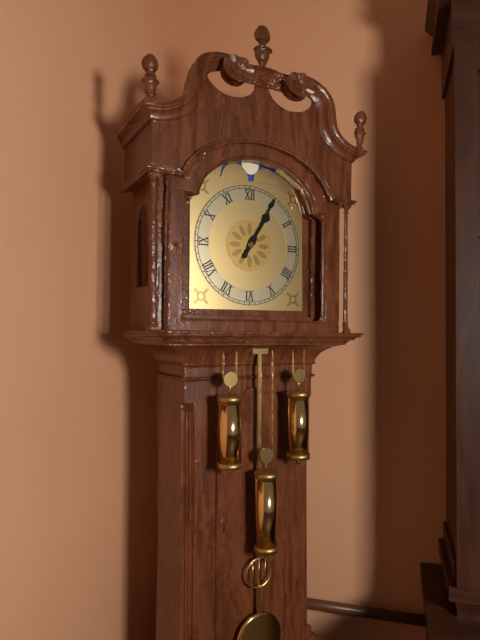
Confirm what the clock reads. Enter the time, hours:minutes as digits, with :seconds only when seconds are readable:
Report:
1:05
